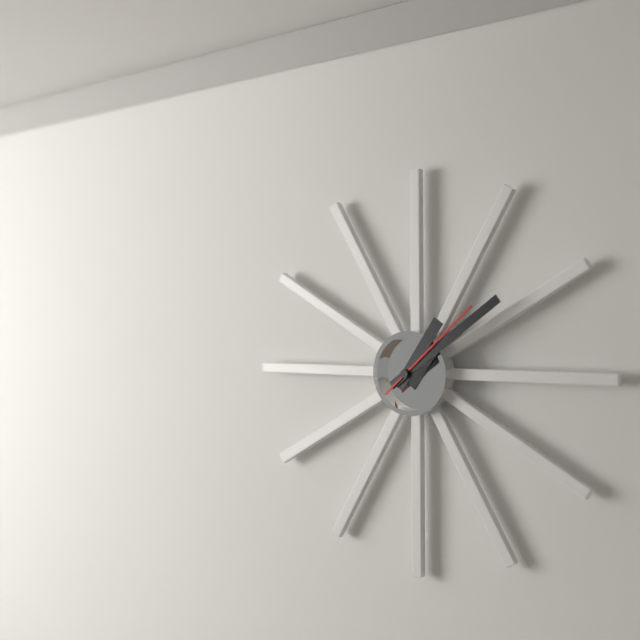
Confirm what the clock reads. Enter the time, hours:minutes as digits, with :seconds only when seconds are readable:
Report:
1:09:08
